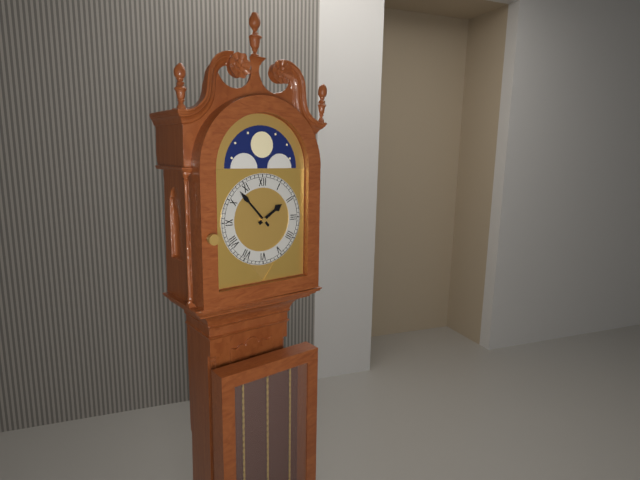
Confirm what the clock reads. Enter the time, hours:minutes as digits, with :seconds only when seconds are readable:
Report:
1:53
